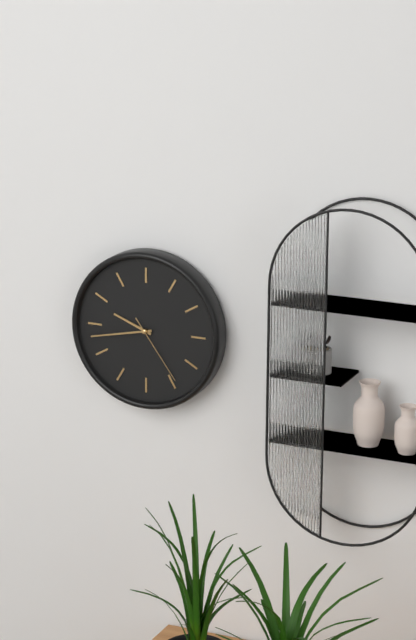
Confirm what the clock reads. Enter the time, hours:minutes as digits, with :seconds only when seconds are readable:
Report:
9:43:24
